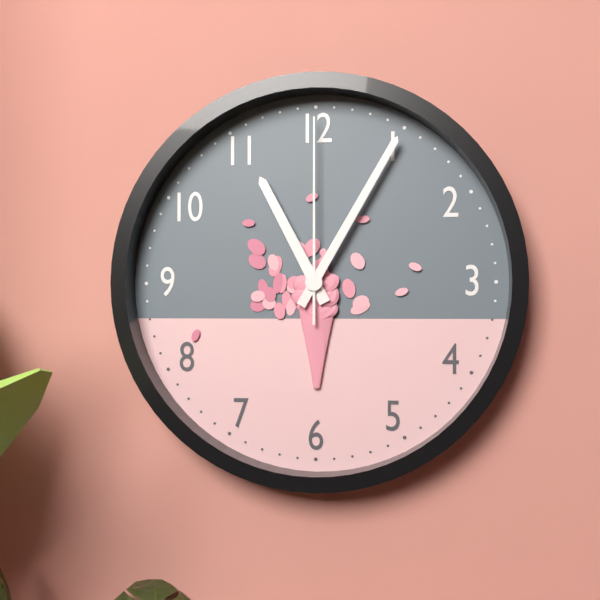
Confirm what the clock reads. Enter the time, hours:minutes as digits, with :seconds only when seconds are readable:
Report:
11:05:00
